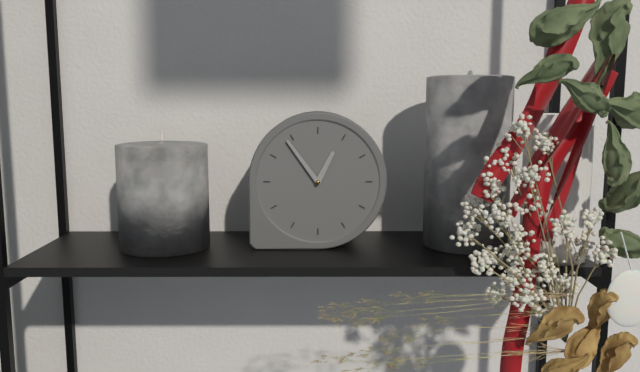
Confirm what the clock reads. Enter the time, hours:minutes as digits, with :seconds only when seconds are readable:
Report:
12:54
